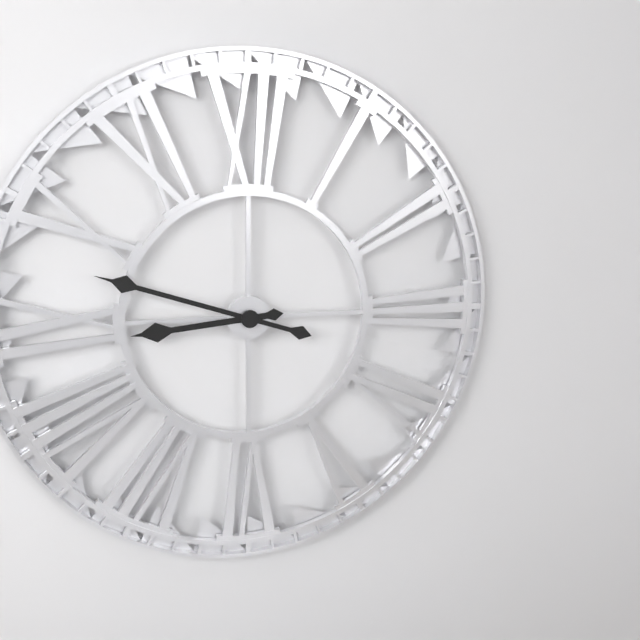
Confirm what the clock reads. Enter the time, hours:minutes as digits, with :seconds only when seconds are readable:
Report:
8:48
